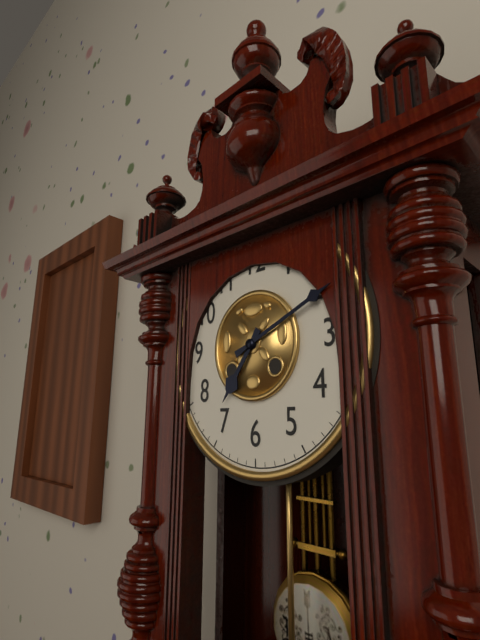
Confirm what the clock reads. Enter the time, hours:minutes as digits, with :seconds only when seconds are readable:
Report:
7:11
